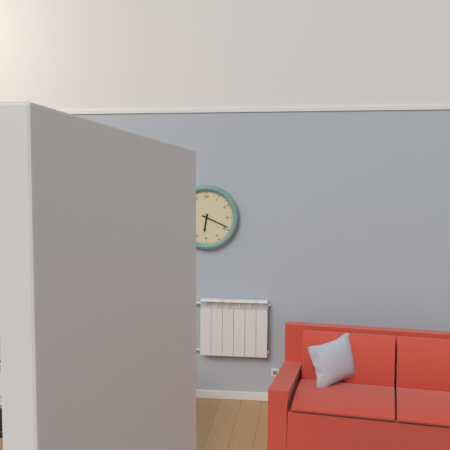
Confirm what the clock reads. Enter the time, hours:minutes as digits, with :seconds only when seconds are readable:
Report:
6:19
